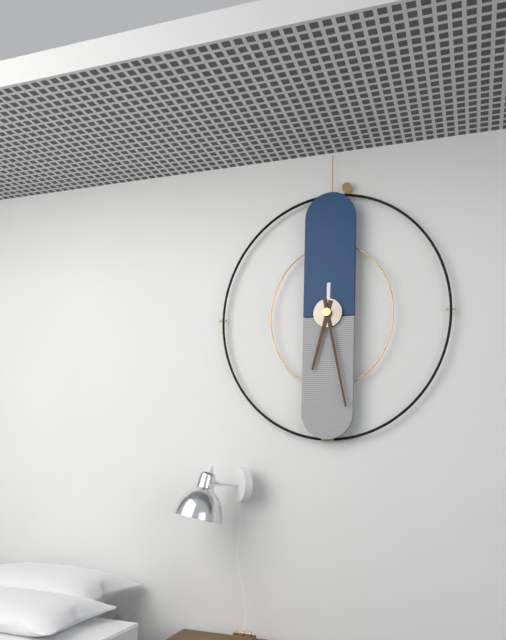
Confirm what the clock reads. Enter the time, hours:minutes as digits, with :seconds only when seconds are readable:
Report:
6:28
